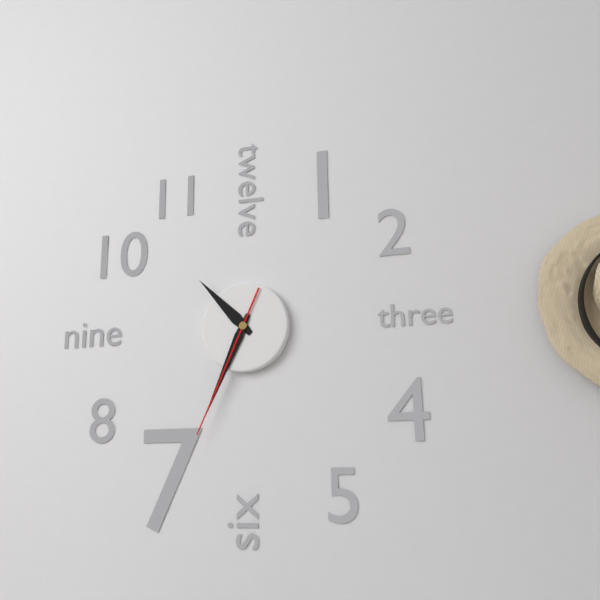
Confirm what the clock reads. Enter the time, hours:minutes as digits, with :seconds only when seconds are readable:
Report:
10:34:34
